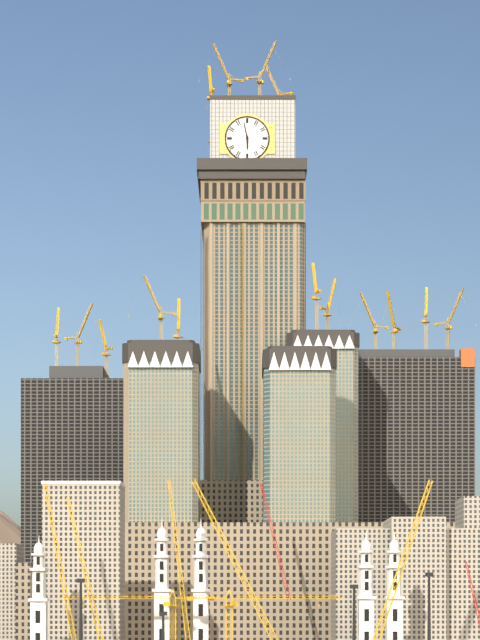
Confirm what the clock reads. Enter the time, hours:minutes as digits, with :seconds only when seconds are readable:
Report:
5:58
